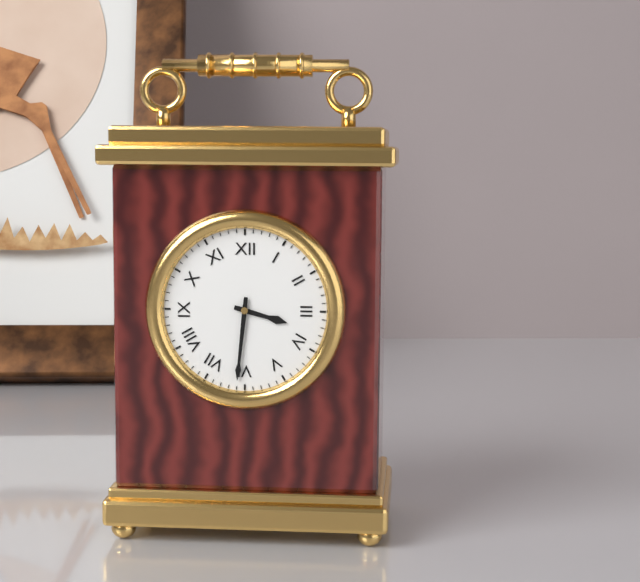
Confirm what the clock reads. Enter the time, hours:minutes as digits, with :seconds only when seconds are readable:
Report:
3:31
